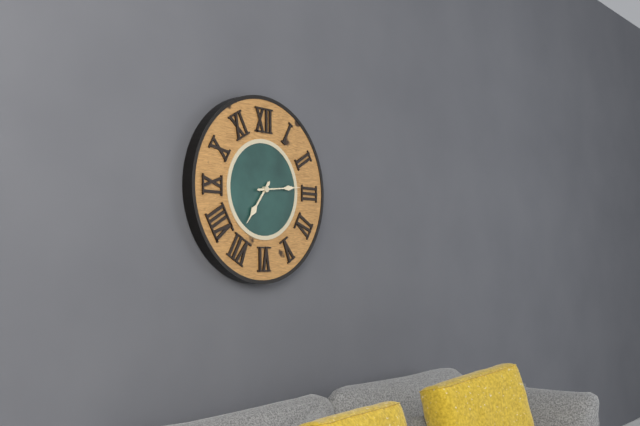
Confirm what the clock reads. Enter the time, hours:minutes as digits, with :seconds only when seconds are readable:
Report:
7:14
